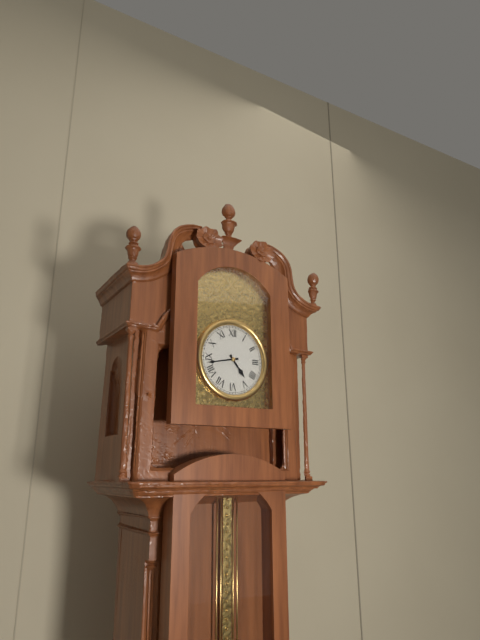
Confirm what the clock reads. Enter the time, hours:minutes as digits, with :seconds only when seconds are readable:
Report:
4:43
